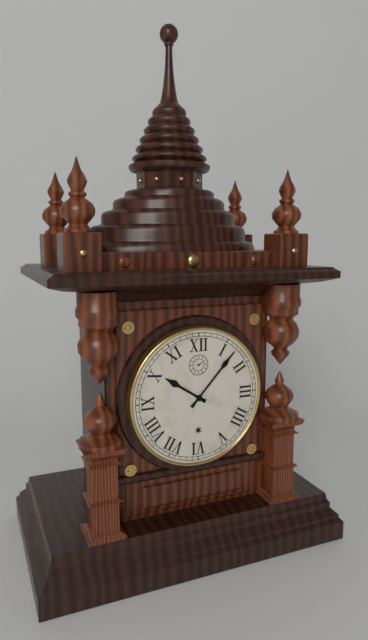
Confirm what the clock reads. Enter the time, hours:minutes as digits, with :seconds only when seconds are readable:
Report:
10:07
